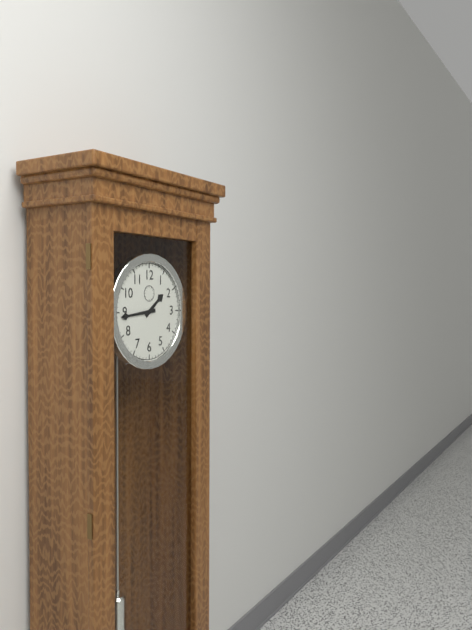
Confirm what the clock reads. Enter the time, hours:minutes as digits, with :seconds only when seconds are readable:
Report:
1:44
